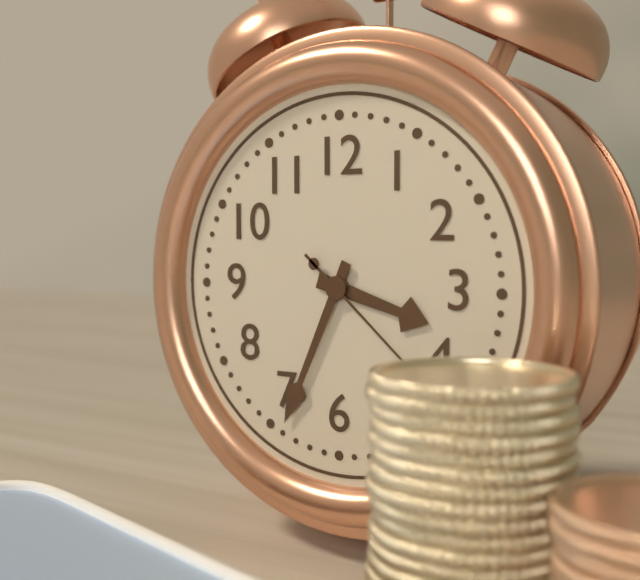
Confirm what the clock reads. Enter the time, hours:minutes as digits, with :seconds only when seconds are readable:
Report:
3:34
